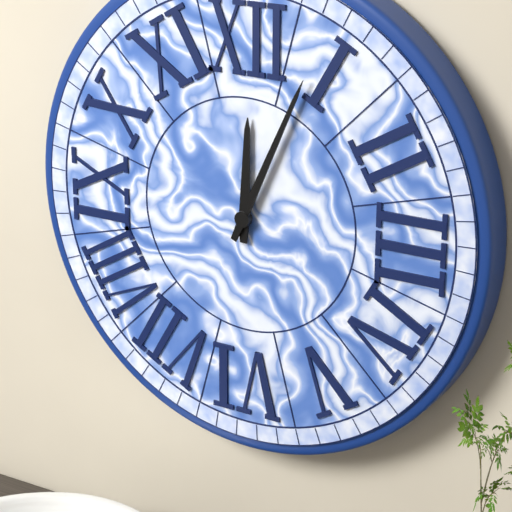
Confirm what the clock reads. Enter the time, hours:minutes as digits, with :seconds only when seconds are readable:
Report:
12:04
